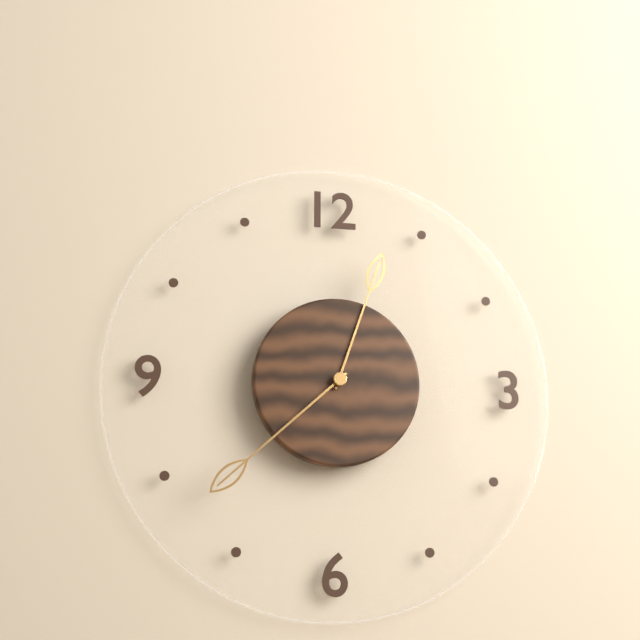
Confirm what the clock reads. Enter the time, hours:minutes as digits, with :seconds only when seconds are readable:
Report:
12:38
